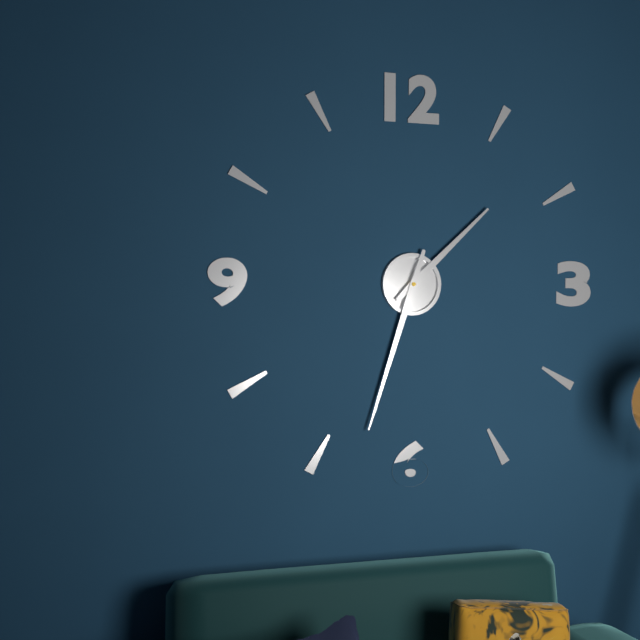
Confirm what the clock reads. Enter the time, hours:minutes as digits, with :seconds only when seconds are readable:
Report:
1:33
